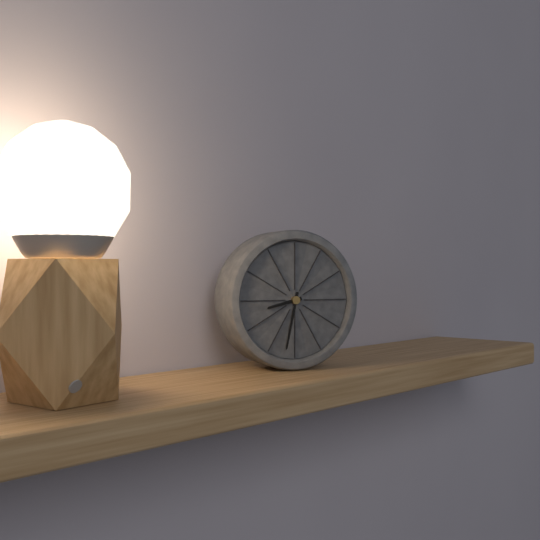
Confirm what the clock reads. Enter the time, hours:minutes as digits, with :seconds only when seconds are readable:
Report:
8:32
